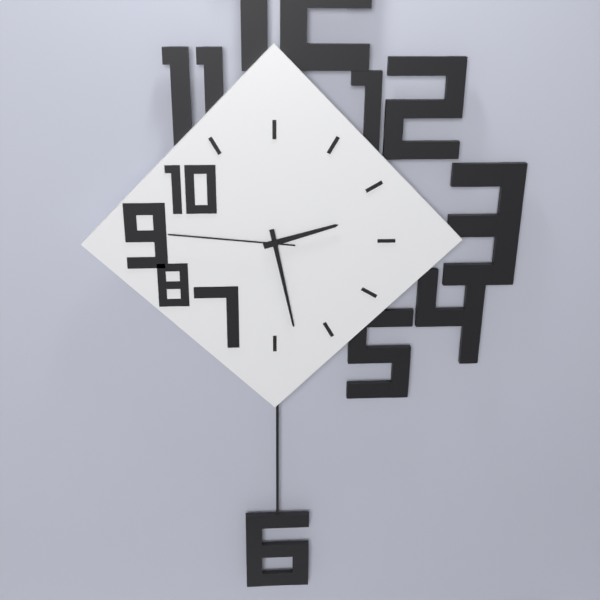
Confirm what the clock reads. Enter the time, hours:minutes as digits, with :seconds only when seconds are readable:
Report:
2:28:46
